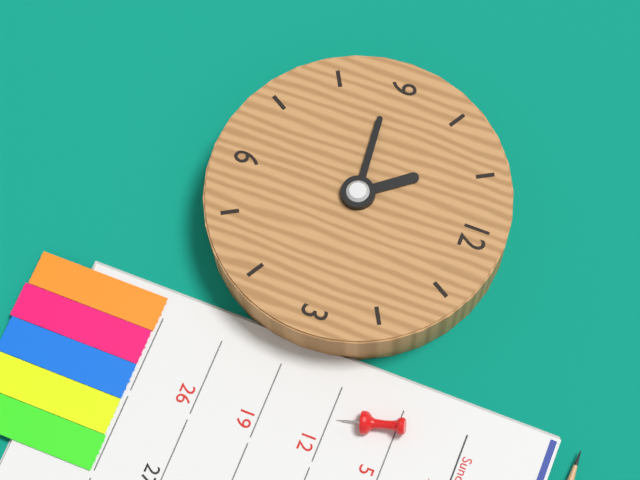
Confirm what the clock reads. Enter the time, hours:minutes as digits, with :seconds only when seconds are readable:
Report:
10:44
